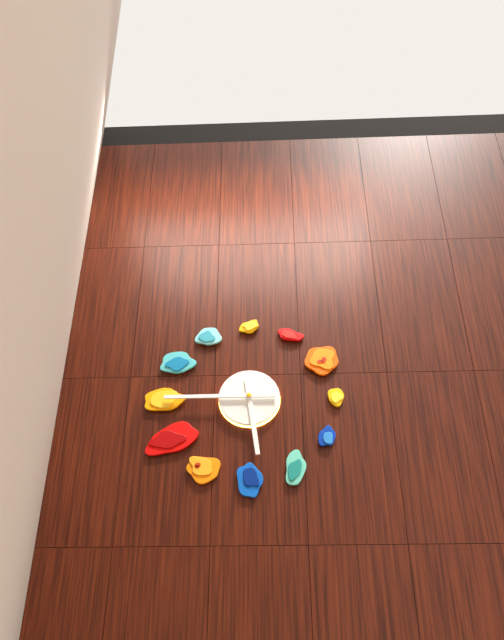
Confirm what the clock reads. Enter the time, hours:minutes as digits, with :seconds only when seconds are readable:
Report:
5:45
